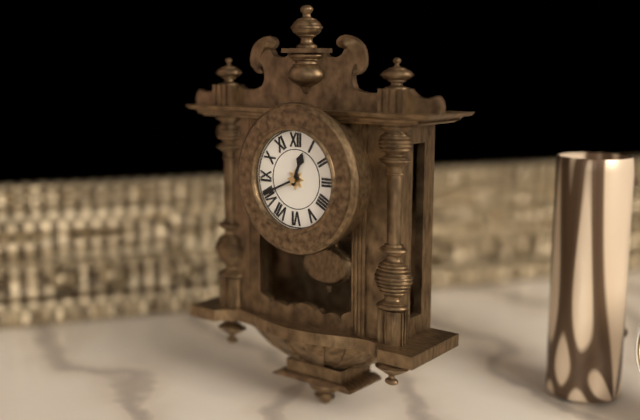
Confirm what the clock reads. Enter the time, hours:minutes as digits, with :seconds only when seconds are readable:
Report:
12:41
